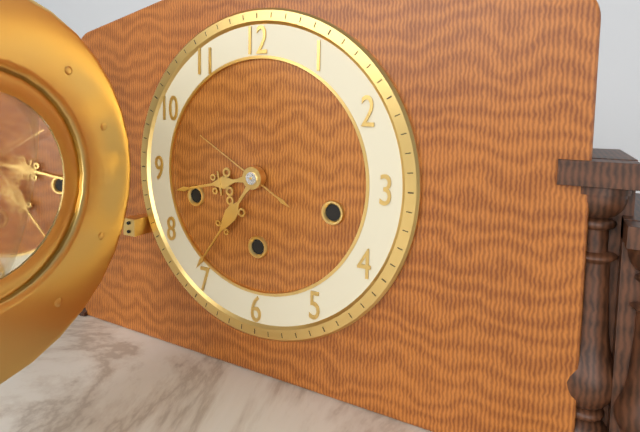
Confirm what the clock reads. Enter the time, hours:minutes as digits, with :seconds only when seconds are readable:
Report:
8:36:50
